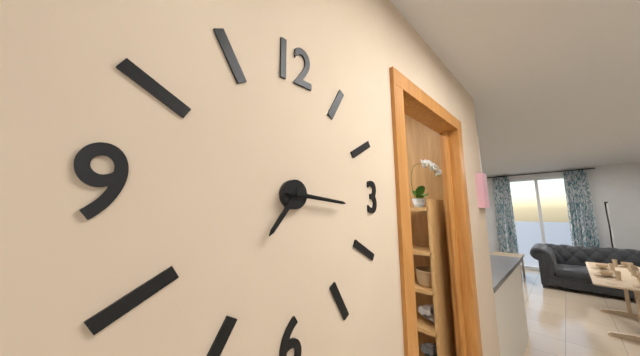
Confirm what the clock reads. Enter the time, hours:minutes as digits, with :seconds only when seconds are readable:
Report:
7:16:16
